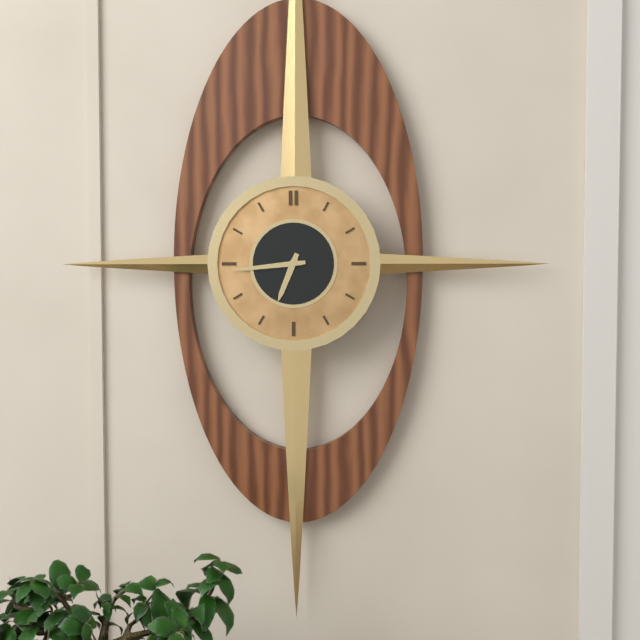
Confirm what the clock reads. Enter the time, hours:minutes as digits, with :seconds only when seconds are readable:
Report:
6:44
